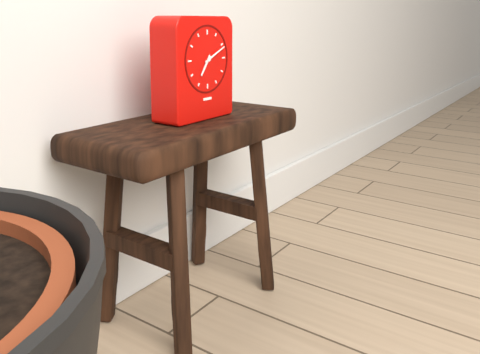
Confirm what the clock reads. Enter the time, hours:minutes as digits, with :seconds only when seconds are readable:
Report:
7:11
